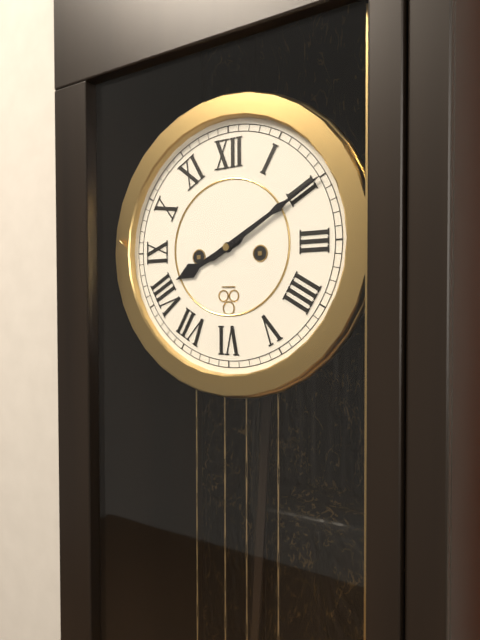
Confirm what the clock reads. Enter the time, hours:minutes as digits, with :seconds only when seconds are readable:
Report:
8:10
